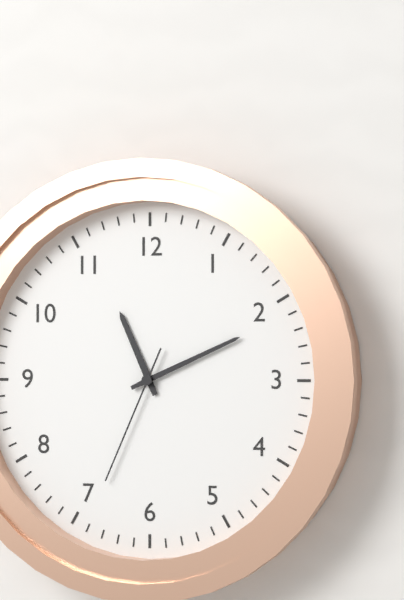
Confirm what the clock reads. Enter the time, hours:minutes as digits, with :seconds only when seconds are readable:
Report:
11:11:34
